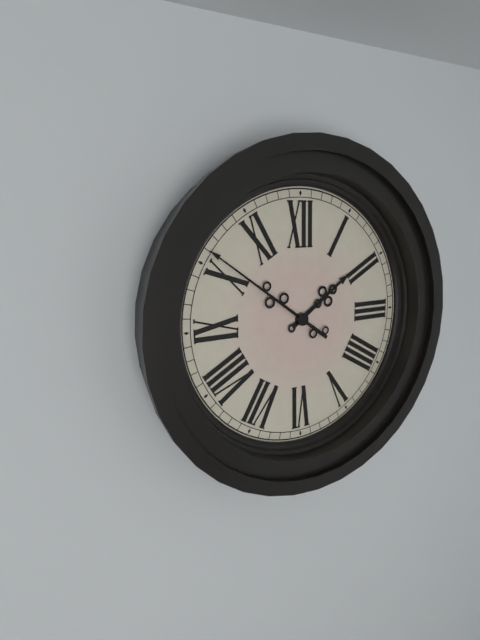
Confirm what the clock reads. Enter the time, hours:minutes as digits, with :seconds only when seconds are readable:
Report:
1:51
